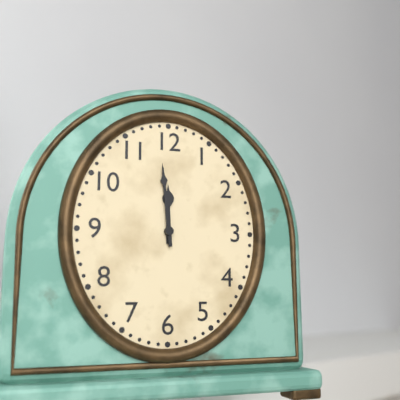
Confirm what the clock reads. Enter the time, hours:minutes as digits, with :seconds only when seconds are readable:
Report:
11:59
